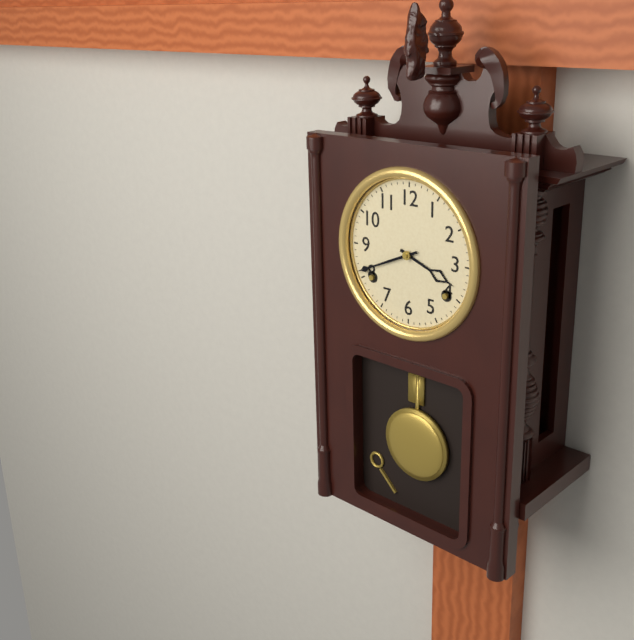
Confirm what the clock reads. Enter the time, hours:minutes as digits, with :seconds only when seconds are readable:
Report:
3:41
